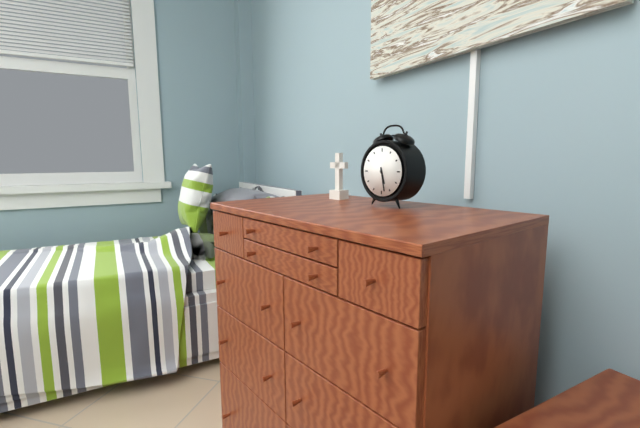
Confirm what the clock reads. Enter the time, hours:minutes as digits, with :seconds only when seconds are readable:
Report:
5:28
